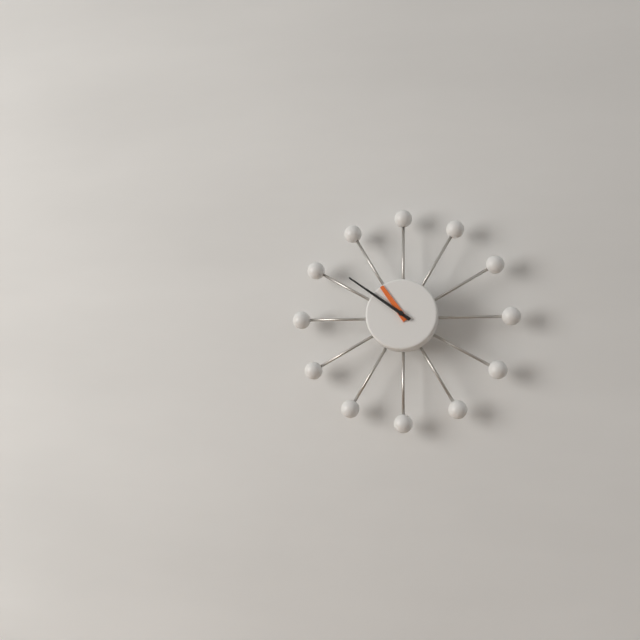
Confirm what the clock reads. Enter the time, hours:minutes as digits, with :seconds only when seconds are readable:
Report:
10:51
